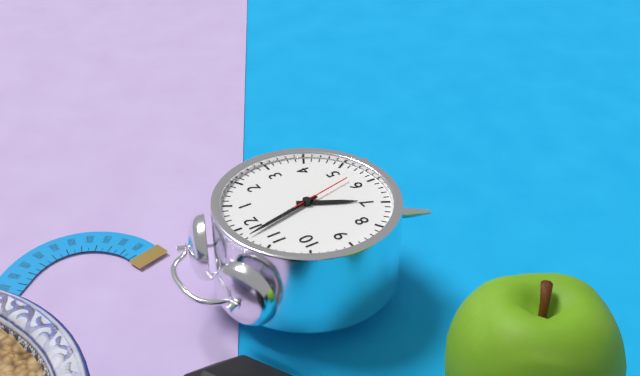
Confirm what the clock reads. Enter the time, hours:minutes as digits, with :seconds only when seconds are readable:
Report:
6:58:28
